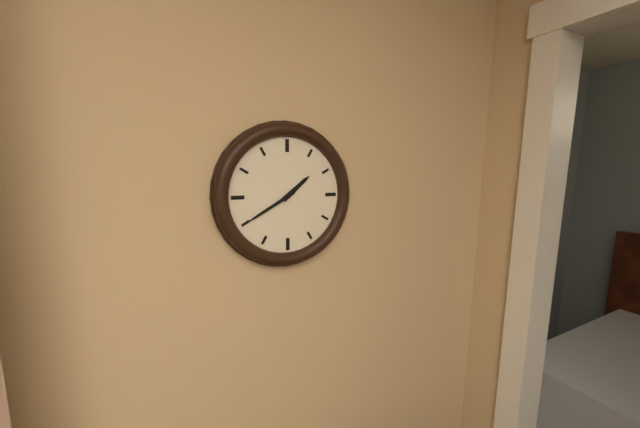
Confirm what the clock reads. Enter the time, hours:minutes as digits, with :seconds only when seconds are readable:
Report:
1:40
